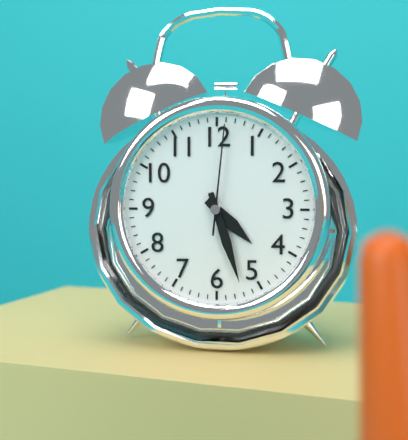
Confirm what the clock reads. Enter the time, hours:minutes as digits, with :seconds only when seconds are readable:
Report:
4:27:01
